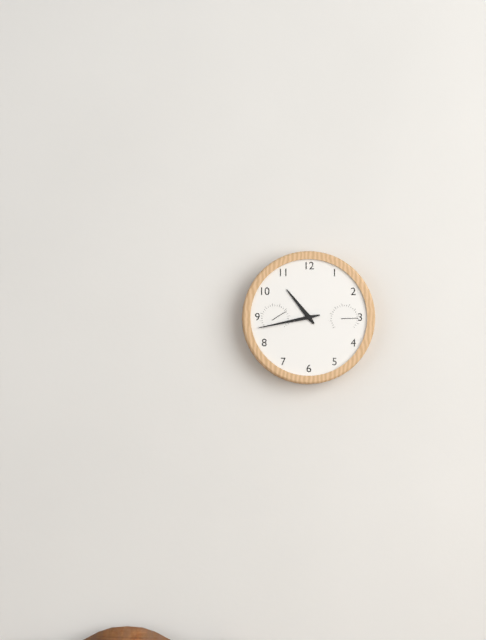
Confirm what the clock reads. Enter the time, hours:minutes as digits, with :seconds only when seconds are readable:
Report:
10:43
